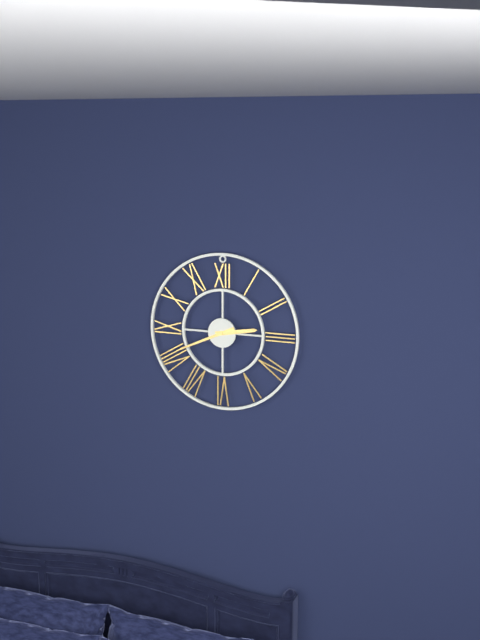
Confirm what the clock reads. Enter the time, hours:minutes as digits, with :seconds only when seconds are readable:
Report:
2:41
